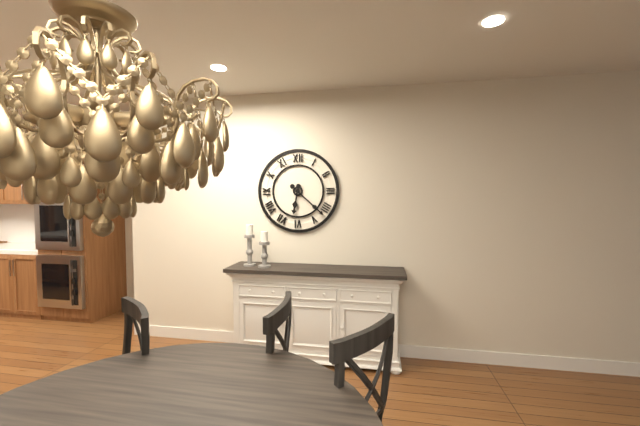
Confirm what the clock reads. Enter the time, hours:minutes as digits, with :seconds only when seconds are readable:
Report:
6:22
